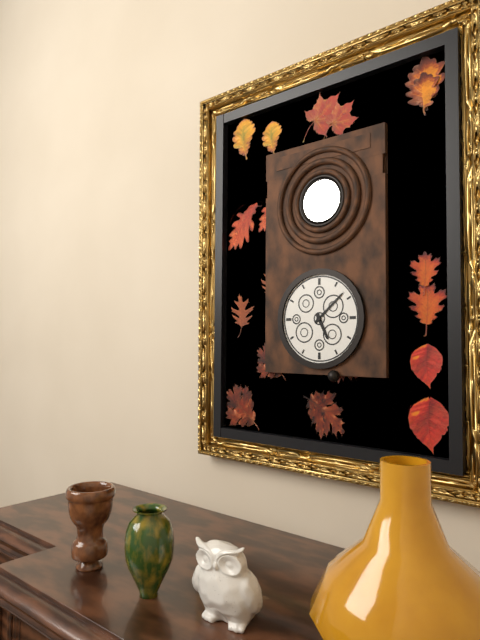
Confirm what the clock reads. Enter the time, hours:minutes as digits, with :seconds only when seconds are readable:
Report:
5:08
